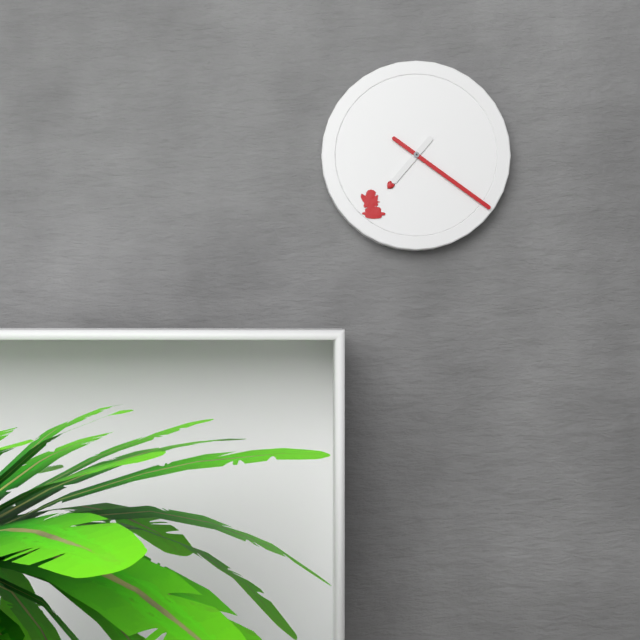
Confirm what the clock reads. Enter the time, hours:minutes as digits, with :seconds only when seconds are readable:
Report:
7:21
